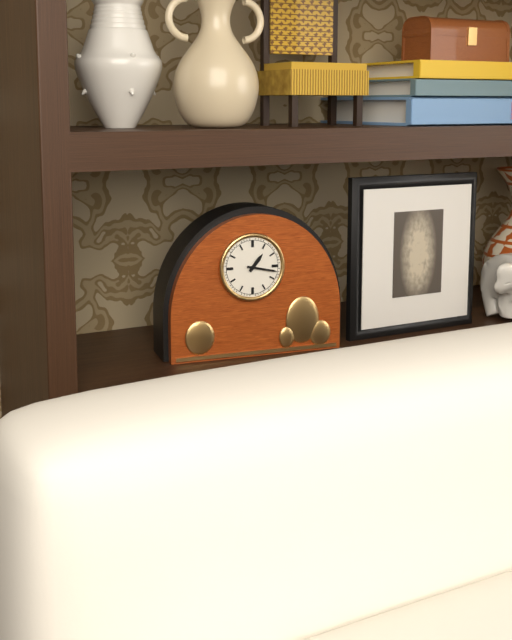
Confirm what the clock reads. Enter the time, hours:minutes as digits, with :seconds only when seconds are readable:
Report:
1:17
